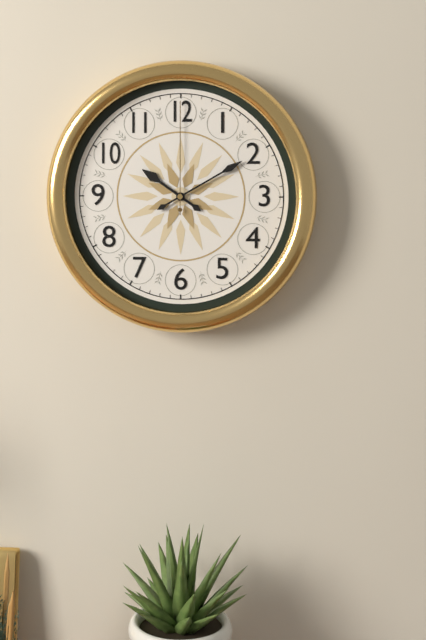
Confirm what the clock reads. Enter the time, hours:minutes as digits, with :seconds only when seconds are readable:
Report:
10:10:00
